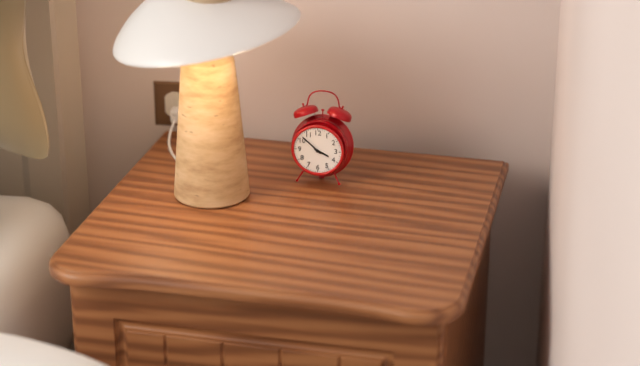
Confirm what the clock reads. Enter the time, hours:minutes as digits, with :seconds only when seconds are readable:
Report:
3:52
